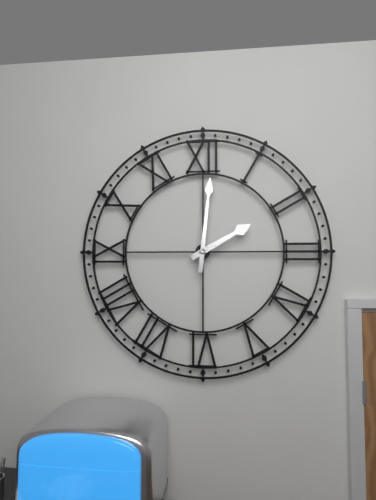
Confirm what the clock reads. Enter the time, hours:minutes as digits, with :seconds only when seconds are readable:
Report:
2:01
